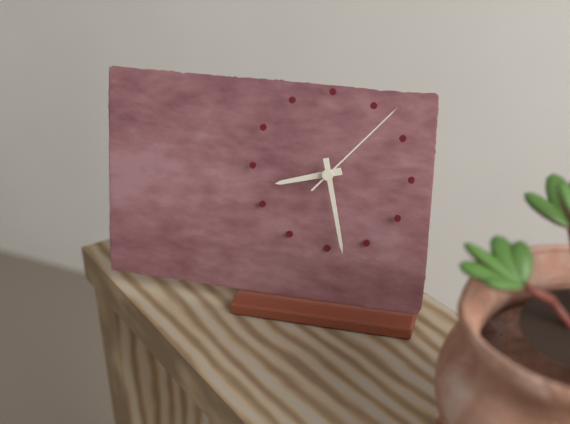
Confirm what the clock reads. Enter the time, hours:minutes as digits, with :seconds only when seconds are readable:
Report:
8:28:07
